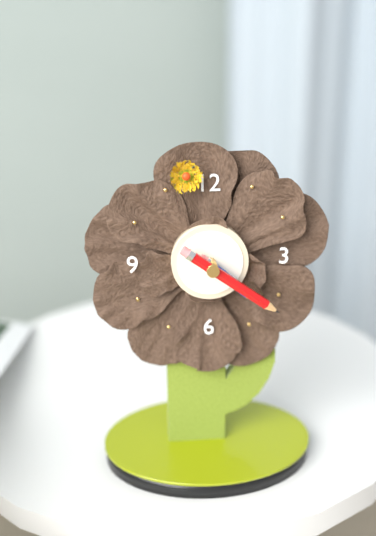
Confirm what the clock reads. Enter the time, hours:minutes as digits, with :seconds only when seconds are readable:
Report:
4:21
